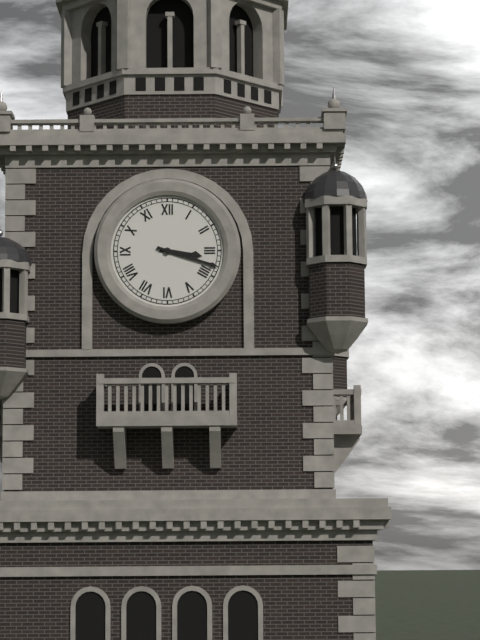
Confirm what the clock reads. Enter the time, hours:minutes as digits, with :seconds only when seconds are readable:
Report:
3:18
